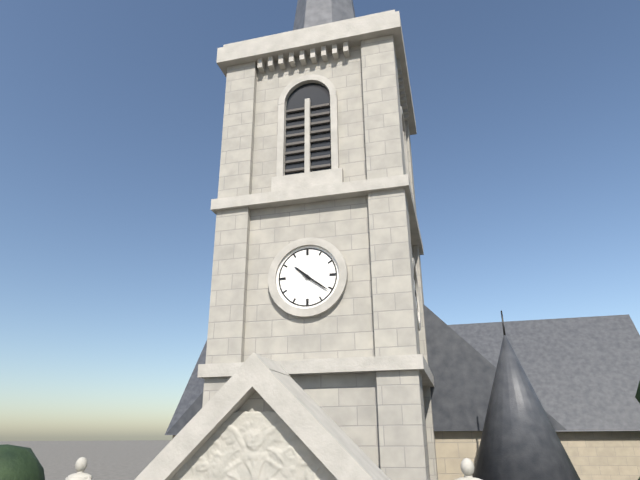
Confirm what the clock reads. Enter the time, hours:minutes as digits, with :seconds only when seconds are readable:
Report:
10:21
